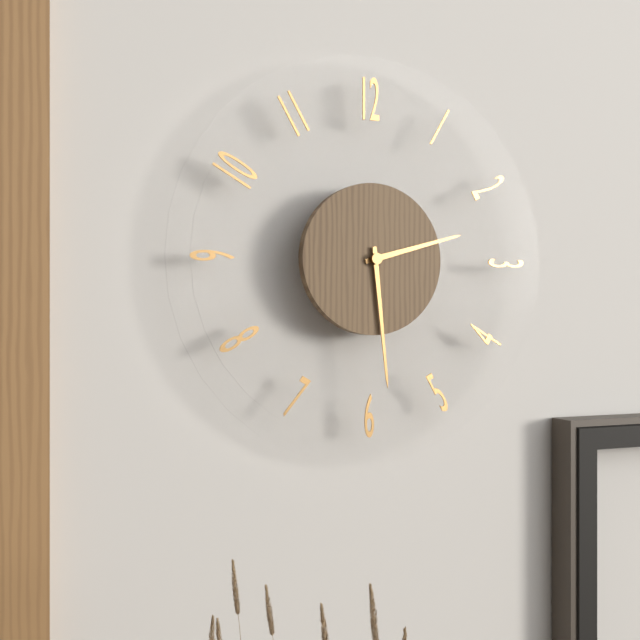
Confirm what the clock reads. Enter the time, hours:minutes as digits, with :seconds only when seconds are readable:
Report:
2:29
